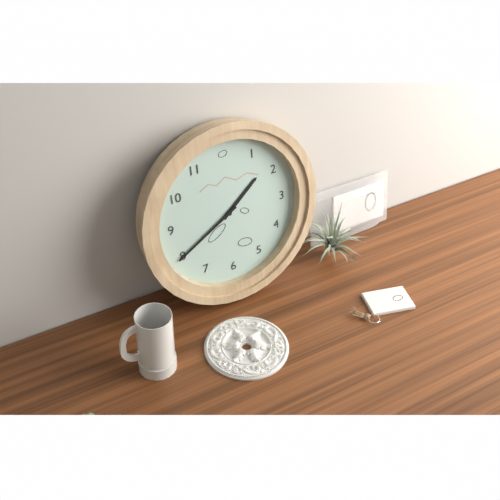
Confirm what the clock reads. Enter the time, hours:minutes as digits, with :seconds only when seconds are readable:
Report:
1:40
